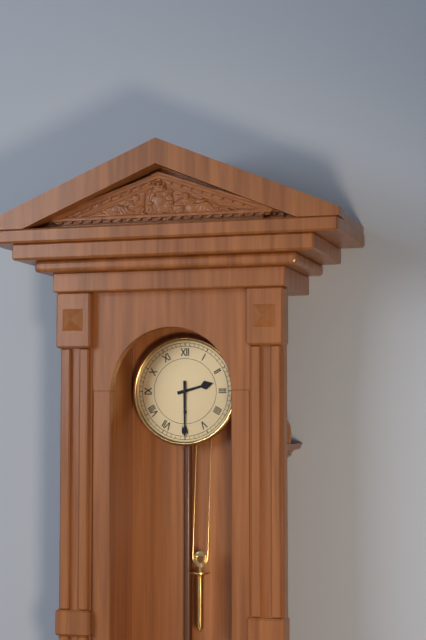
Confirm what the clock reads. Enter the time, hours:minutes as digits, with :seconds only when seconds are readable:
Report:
2:30
